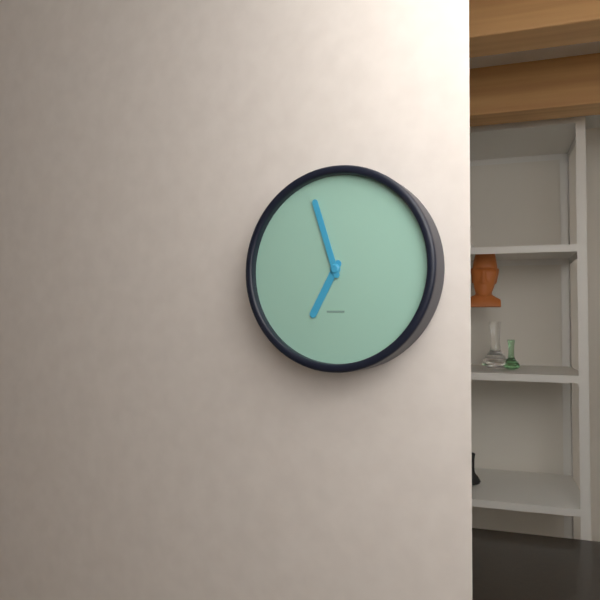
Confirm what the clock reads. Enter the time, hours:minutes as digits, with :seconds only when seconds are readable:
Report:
6:57
